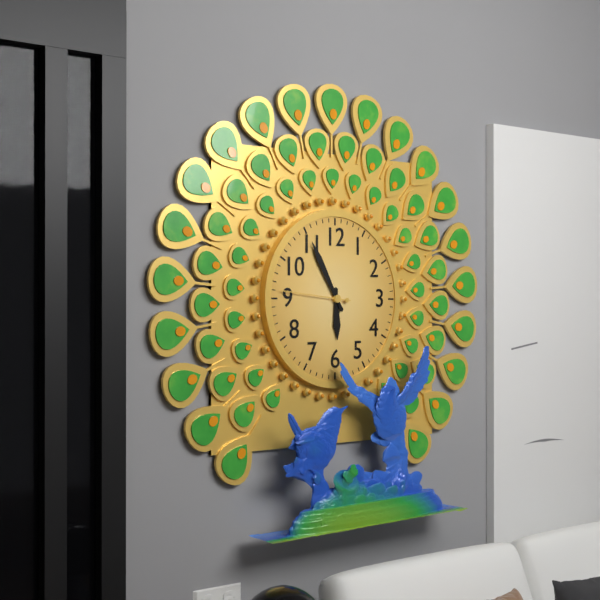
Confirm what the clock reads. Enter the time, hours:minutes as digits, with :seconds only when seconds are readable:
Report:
5:55:46
